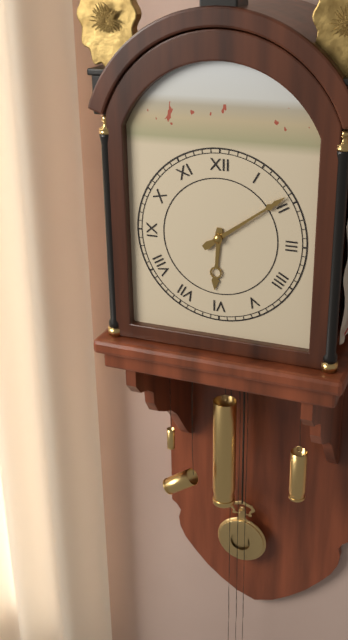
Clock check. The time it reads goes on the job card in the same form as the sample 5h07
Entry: 6h09
